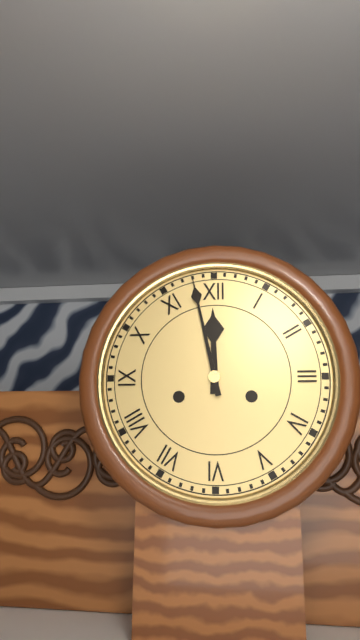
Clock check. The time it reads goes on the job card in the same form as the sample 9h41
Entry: 11h58
